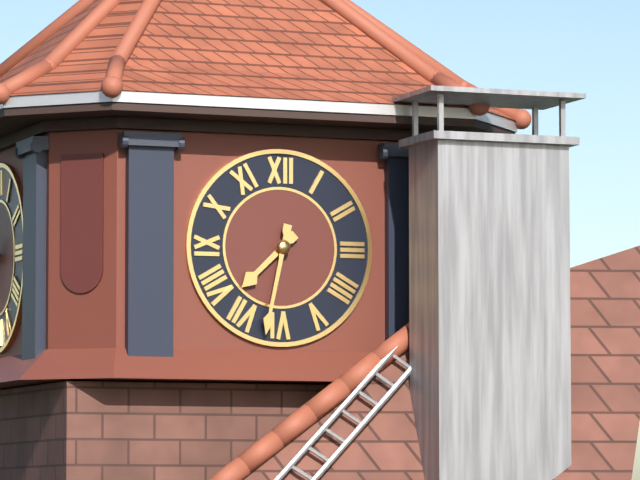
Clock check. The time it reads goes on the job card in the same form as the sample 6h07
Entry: 7h32
